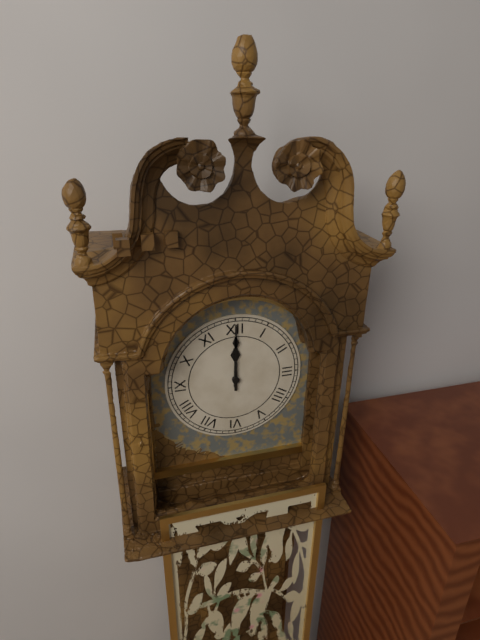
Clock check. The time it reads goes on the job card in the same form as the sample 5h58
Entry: 12h00
